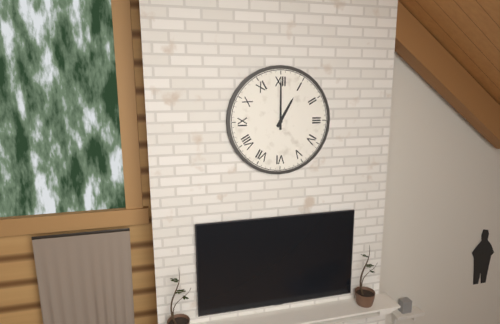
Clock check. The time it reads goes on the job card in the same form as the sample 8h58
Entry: 1h00
